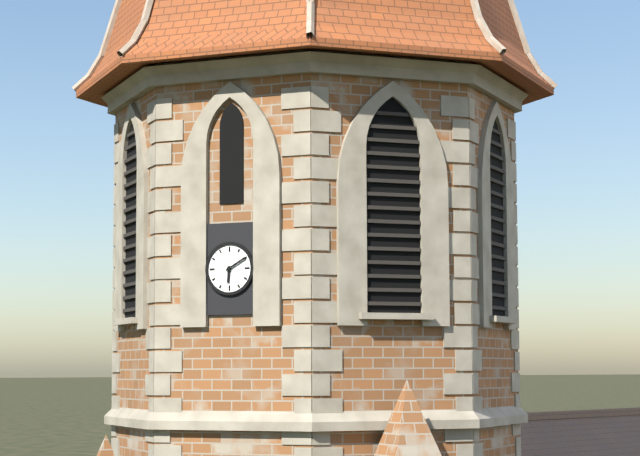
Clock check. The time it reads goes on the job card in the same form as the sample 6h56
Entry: 6h10
